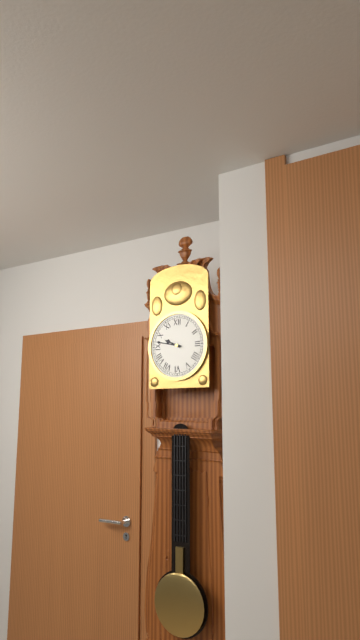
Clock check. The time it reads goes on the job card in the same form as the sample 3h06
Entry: 9h47
